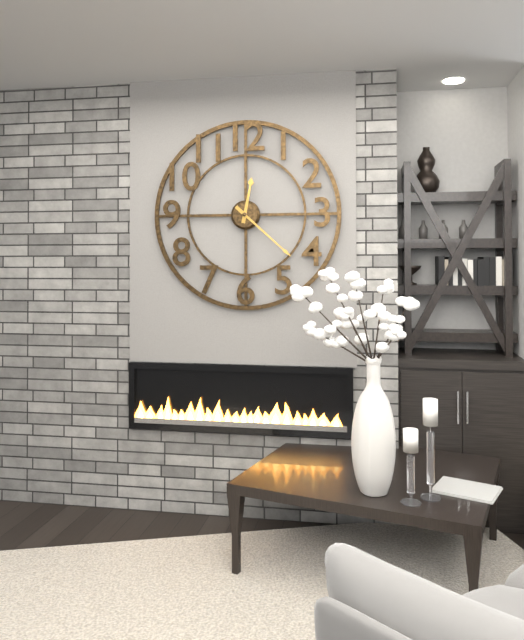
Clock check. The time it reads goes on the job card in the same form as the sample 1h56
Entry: 12h22
